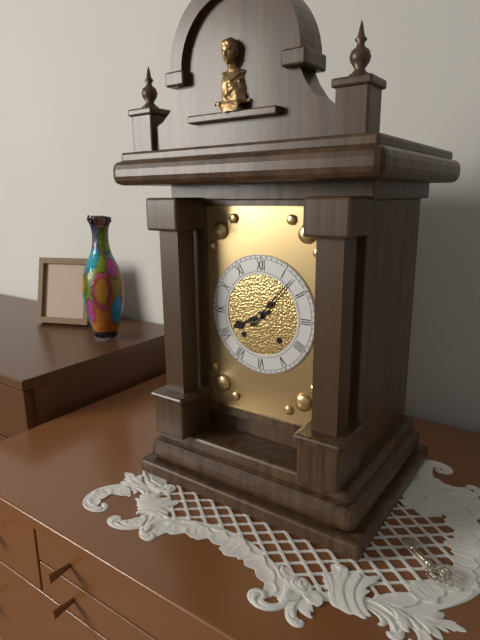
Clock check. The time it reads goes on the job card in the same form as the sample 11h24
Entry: 8h07
